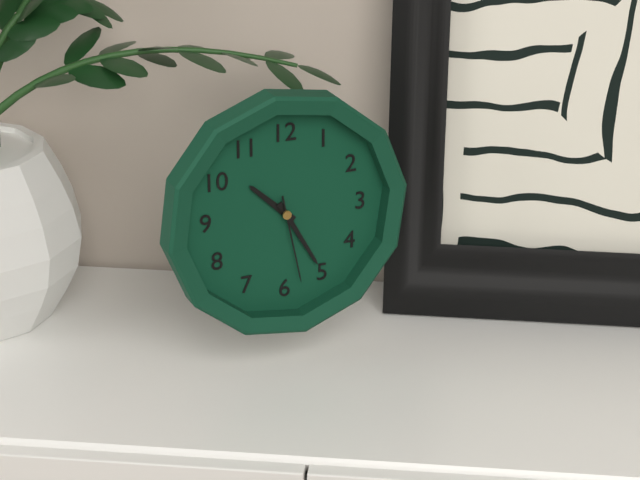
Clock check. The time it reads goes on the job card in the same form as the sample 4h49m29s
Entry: 10h25m28s
